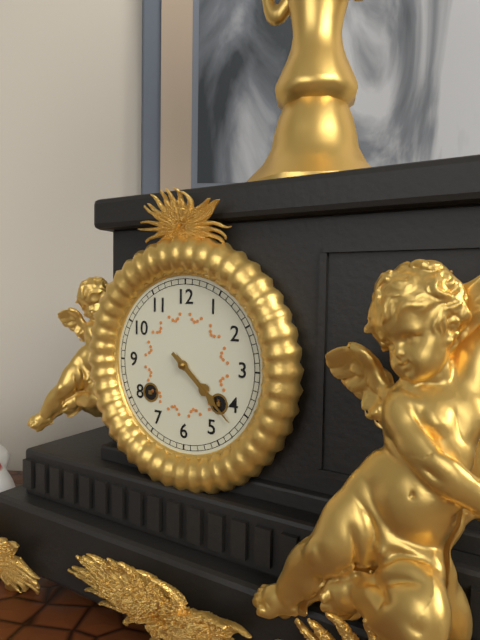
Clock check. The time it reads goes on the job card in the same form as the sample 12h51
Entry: 4h22
